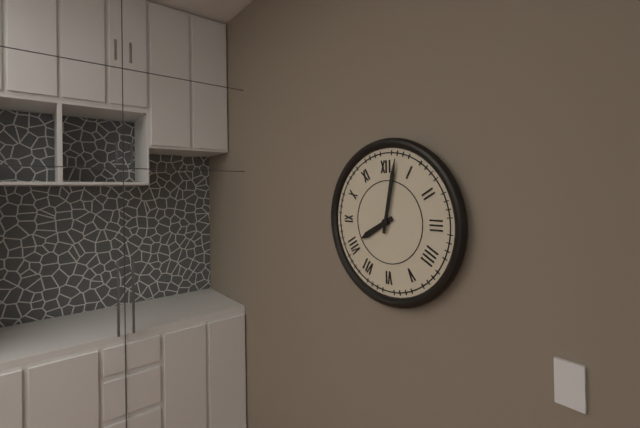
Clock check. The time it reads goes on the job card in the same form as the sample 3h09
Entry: 8h02
